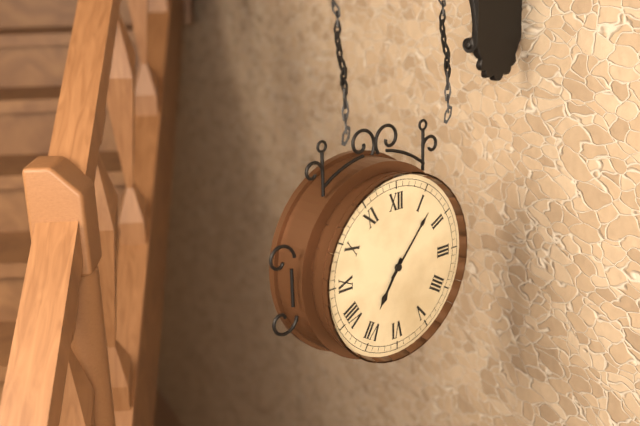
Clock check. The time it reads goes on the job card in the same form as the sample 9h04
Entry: 7h07
